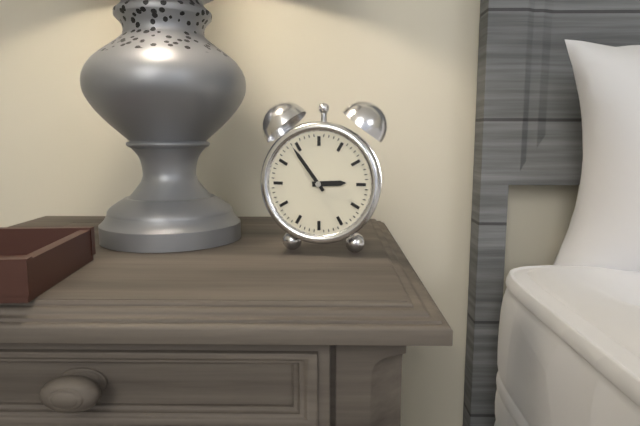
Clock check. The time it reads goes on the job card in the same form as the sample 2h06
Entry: 2h54
